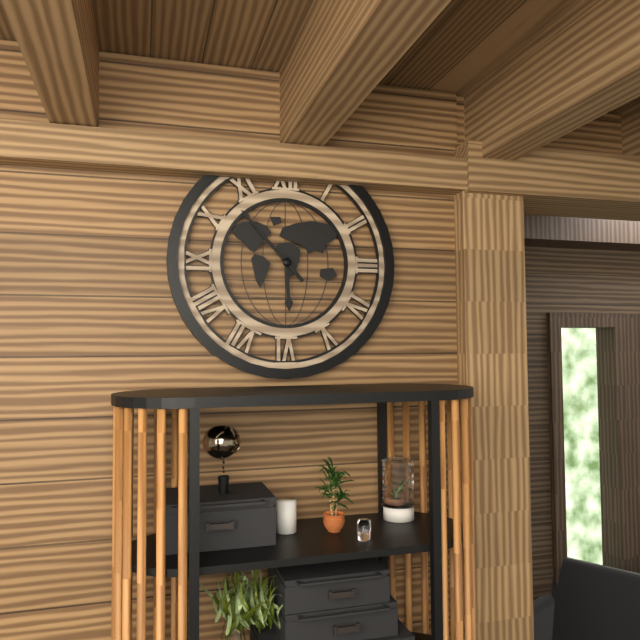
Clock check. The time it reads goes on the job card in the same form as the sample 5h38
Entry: 5h53
